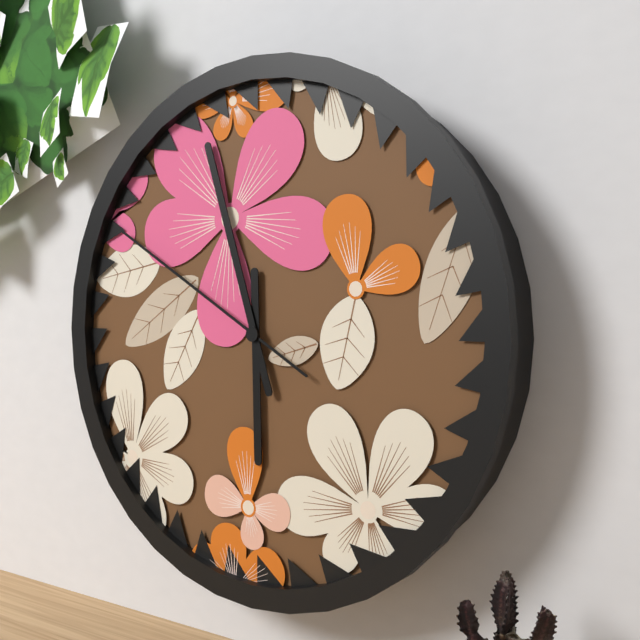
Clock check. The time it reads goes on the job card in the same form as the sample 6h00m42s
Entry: 5h57m50s
